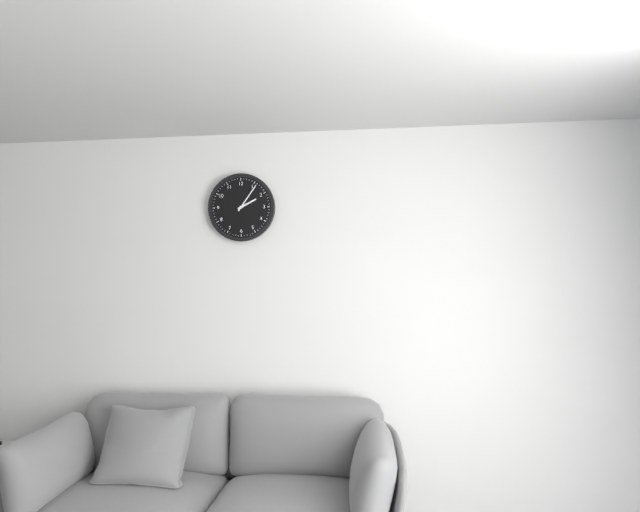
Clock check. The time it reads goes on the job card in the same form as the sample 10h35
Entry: 2h06
